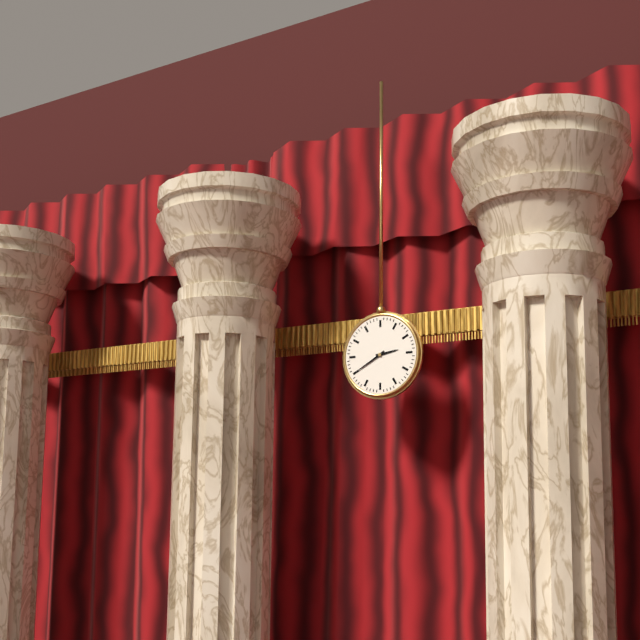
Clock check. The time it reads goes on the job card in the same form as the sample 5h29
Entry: 2h40
